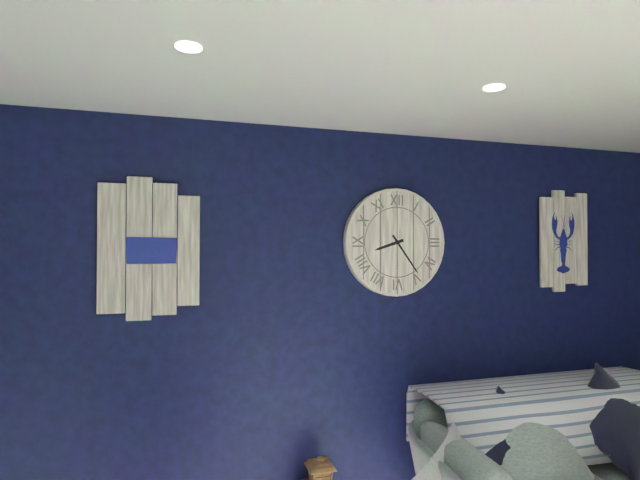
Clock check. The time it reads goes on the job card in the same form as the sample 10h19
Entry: 8h24
